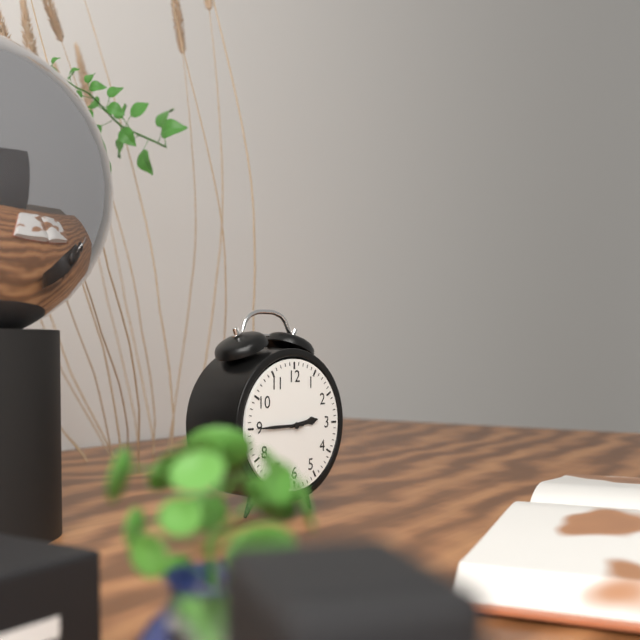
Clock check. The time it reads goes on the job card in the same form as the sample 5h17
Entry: 2h45
